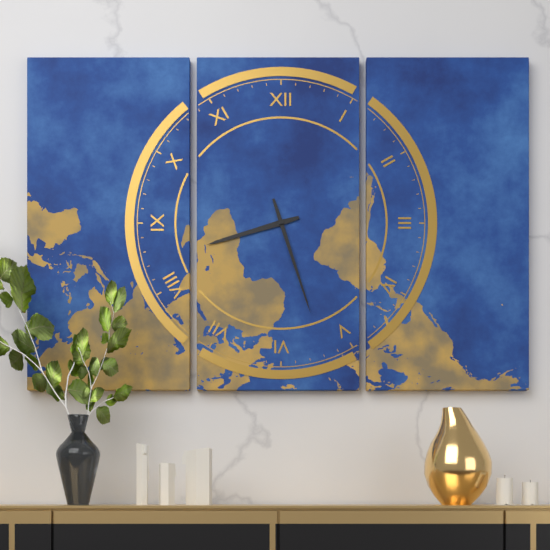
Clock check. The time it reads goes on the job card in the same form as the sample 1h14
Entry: 8h27
